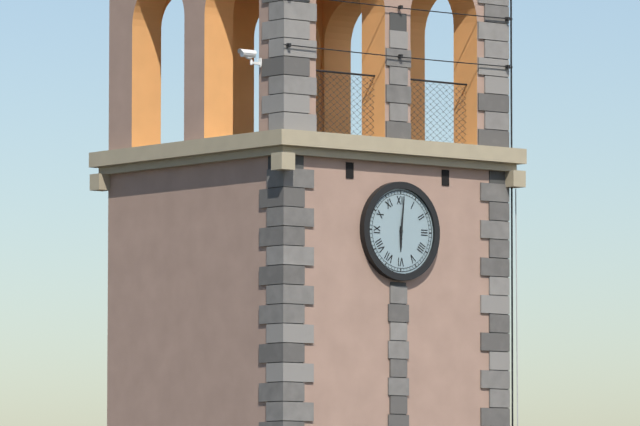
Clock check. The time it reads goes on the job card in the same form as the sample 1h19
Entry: 6h01
